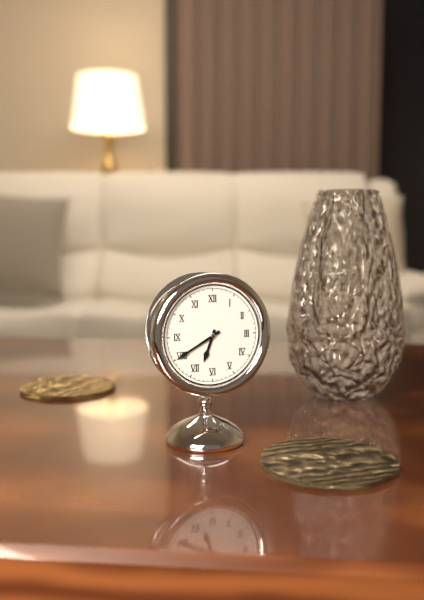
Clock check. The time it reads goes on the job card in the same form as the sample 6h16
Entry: 6h40
